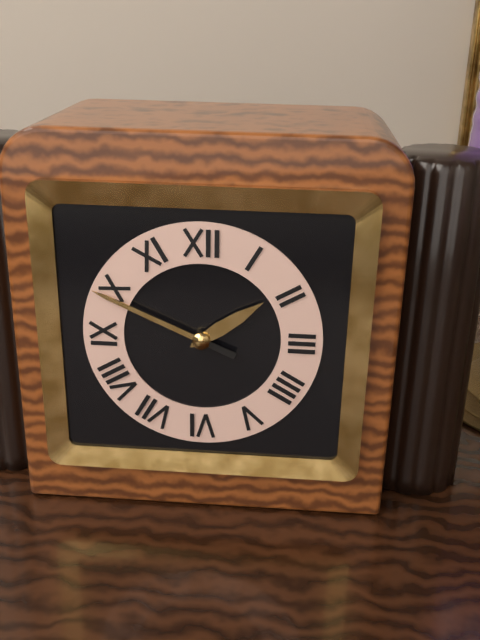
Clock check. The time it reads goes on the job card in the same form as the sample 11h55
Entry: 1h49
